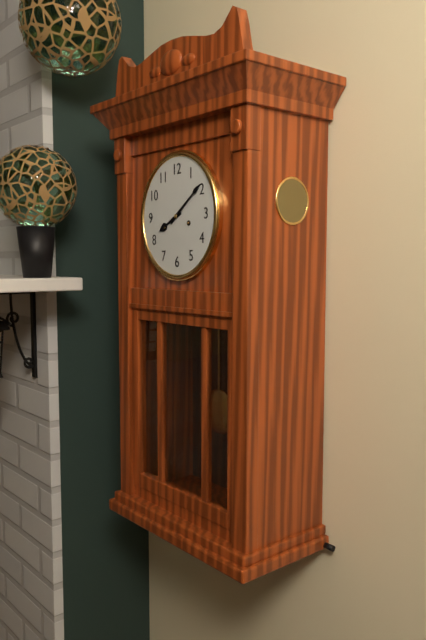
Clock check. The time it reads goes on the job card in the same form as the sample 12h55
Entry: 8h09
